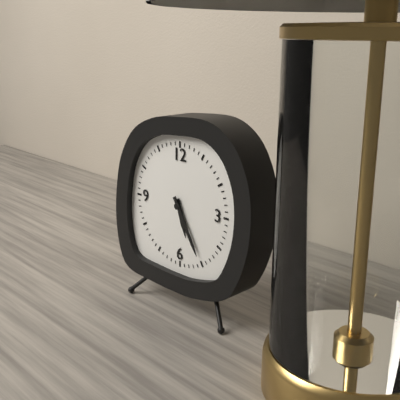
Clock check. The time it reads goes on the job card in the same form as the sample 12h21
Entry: 5h25
